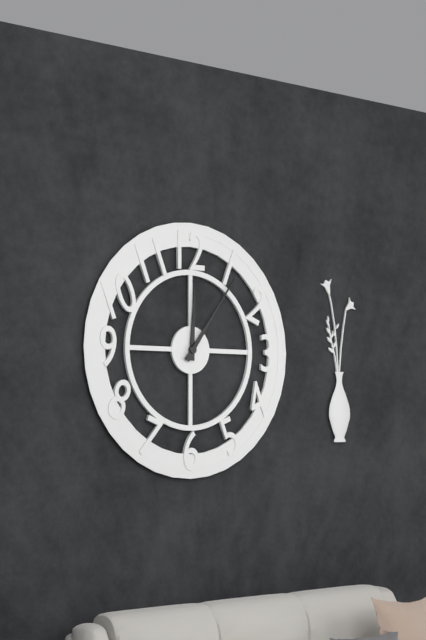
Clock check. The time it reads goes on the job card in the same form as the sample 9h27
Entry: 12h06
